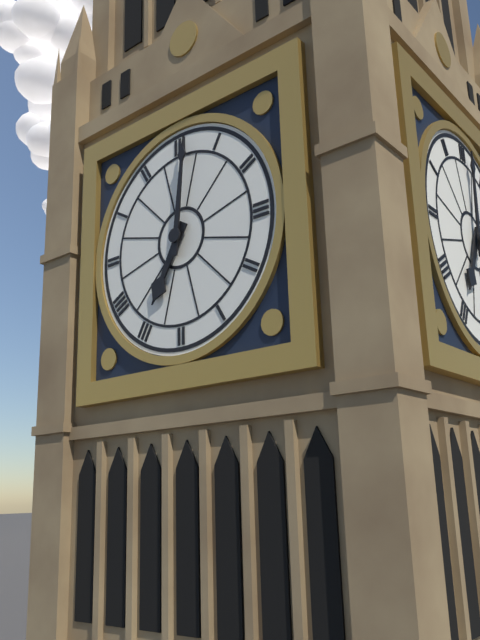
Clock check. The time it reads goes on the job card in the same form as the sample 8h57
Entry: 7h01
